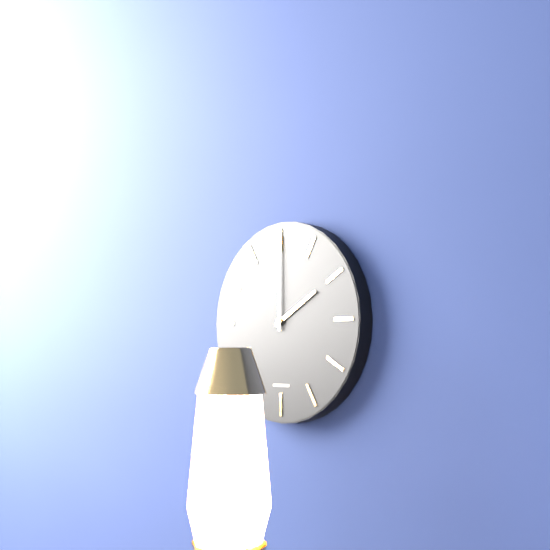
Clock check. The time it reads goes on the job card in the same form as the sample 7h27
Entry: 2h00
